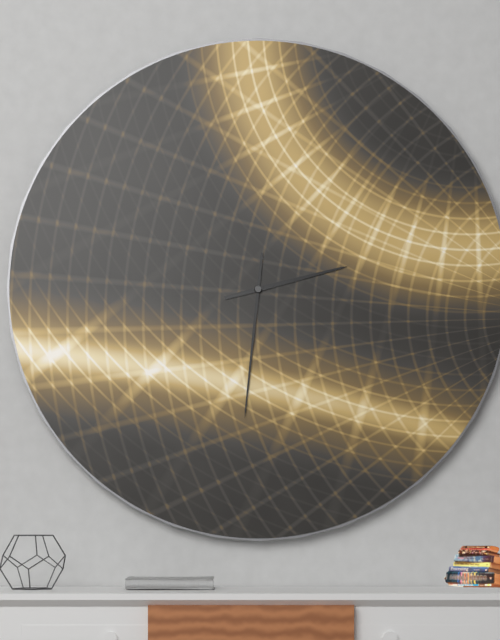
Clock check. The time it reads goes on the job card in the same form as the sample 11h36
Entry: 2h31
